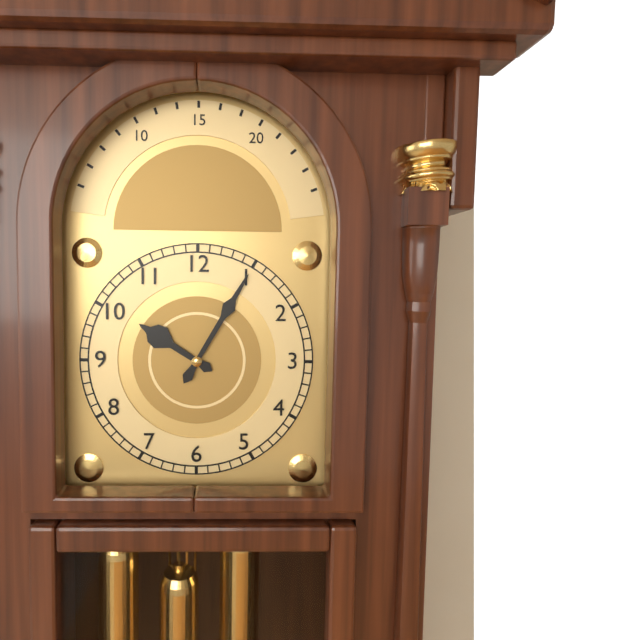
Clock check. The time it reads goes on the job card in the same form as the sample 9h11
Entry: 10h05
